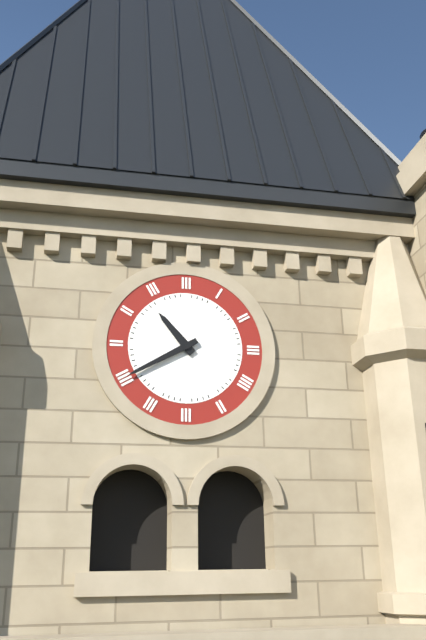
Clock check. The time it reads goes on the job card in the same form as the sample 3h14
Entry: 10h40
